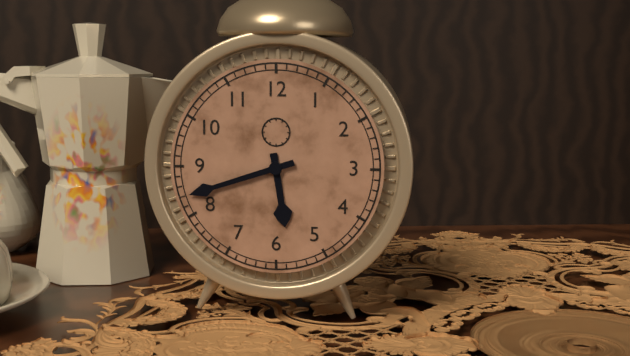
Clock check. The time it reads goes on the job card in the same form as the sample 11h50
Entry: 5h42
